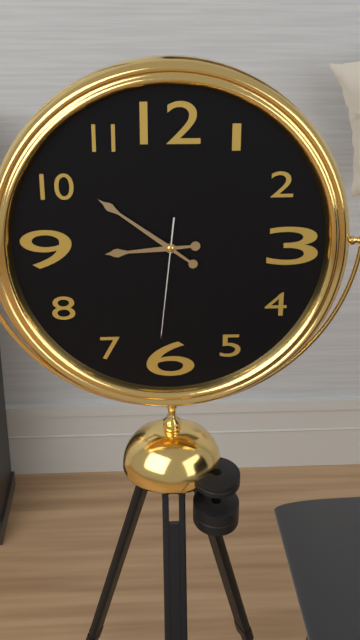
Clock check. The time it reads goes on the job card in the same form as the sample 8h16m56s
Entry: 8h51m31s
